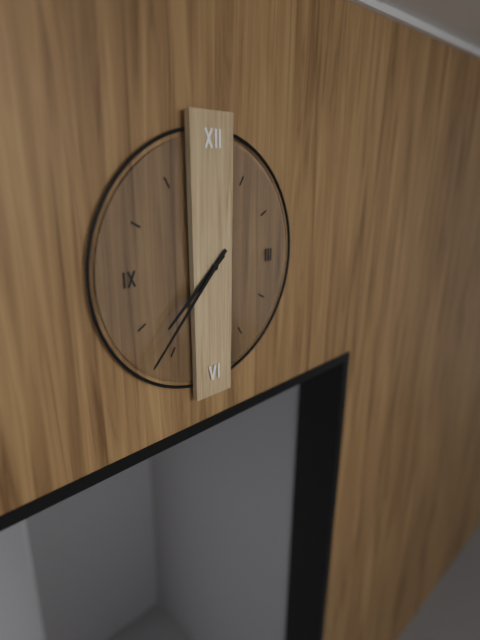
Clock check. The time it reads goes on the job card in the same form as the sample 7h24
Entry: 7h37
